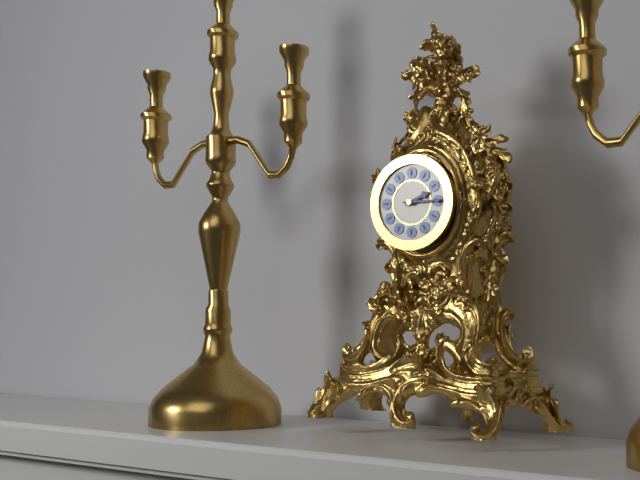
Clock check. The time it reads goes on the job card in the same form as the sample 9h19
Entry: 2h15
